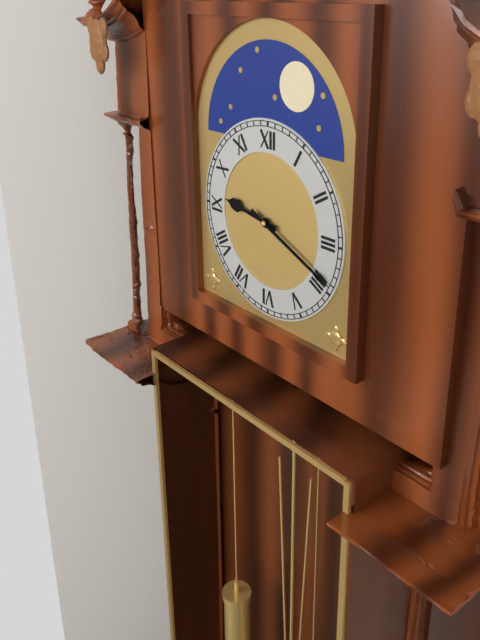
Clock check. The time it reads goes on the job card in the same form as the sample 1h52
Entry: 9h19
